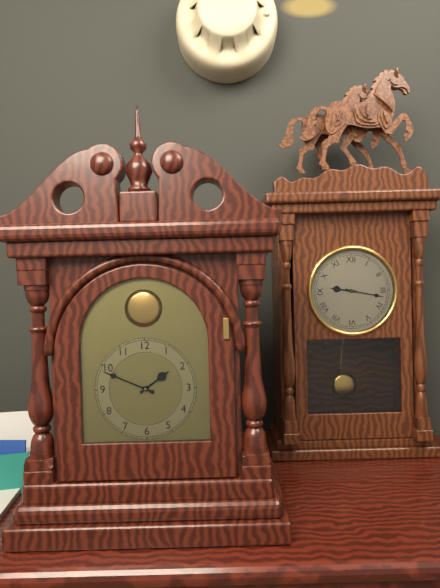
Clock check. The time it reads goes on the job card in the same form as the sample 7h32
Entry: 1h49
